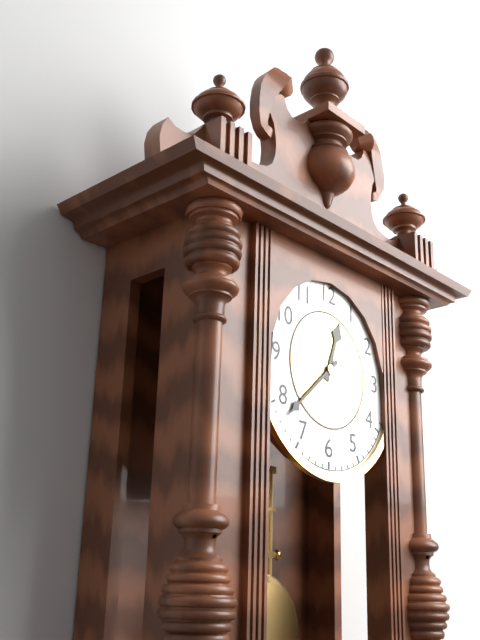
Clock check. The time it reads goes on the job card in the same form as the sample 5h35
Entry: 12h38
